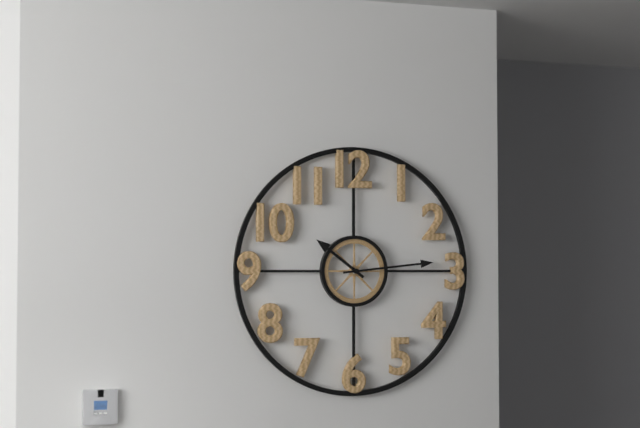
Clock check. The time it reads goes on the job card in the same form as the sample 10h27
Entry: 10h14
